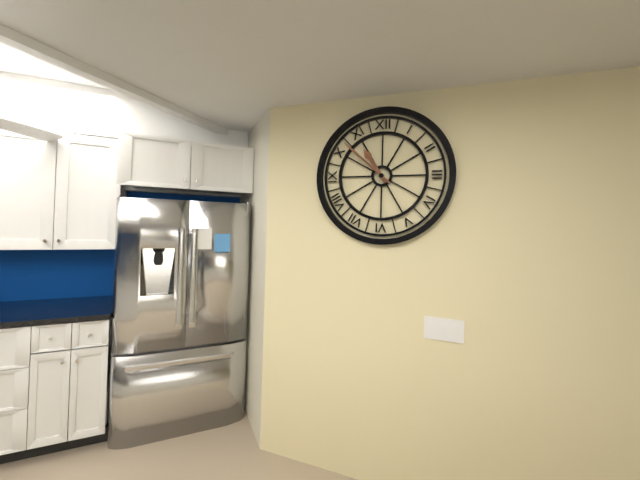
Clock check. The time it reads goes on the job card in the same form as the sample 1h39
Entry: 10h52
